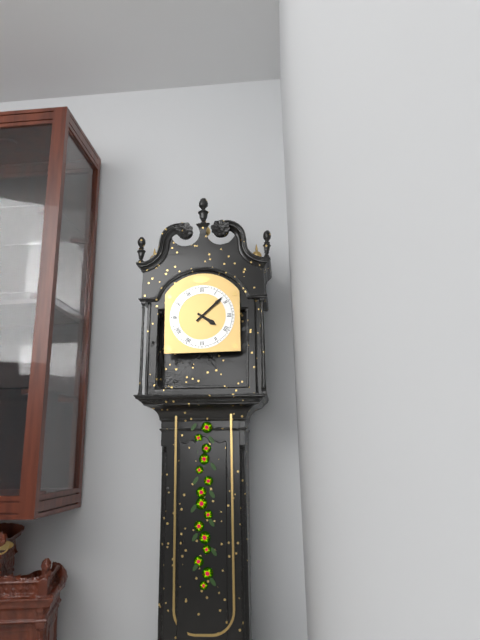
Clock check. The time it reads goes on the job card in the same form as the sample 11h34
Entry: 4h08
